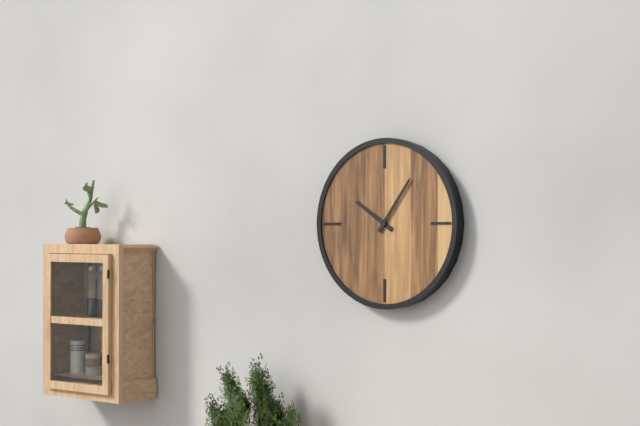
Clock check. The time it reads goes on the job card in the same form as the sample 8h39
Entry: 10h06
